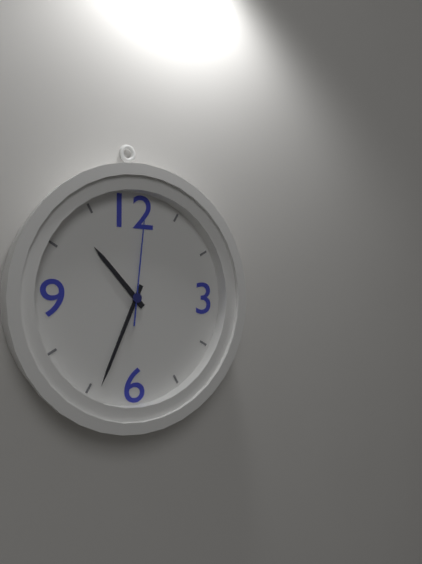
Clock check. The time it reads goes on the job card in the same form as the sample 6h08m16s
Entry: 10h34m01s
